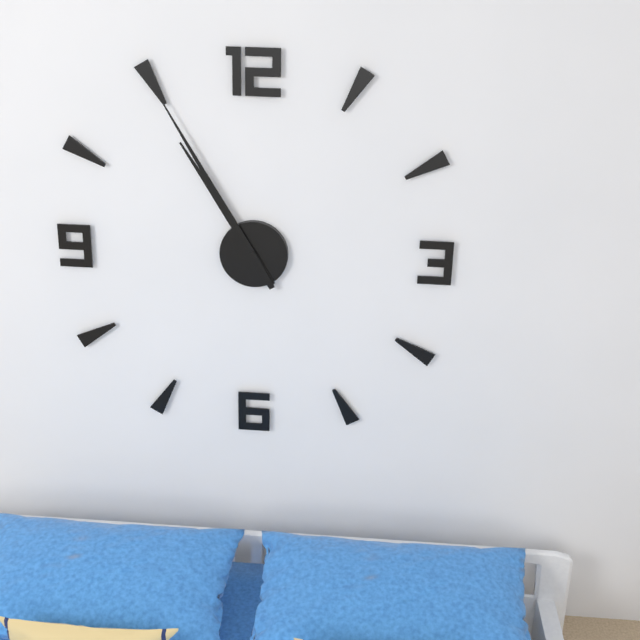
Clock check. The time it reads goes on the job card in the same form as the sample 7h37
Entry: 10h55
